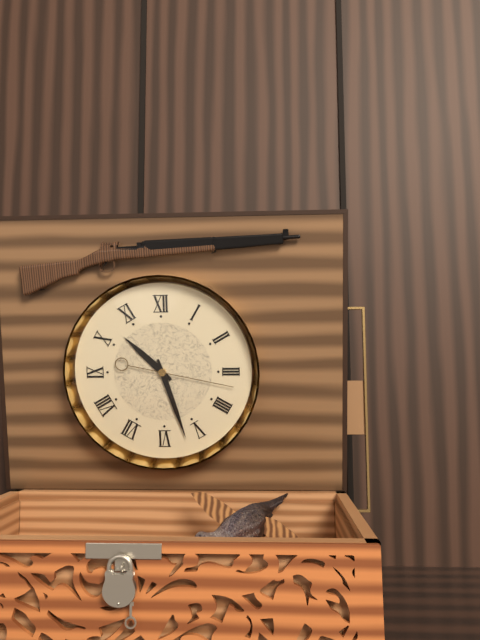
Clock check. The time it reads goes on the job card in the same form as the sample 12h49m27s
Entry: 10h27m17s
